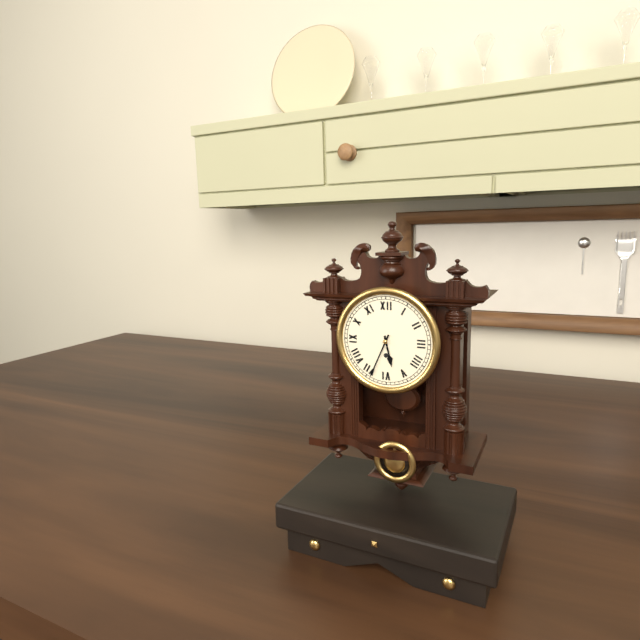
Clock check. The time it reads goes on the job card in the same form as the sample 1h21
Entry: 5h34
